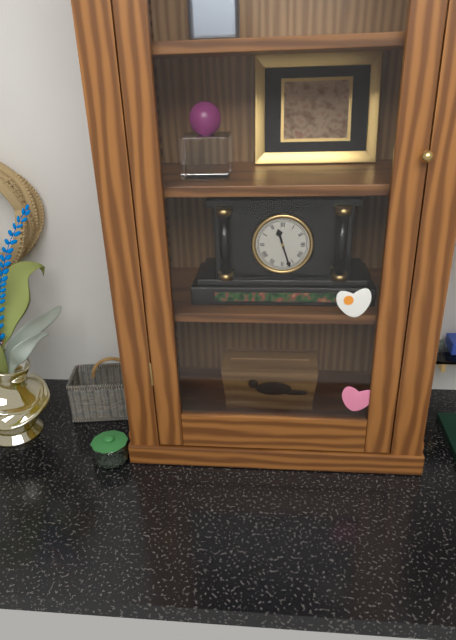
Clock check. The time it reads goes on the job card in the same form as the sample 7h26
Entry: 11h27
